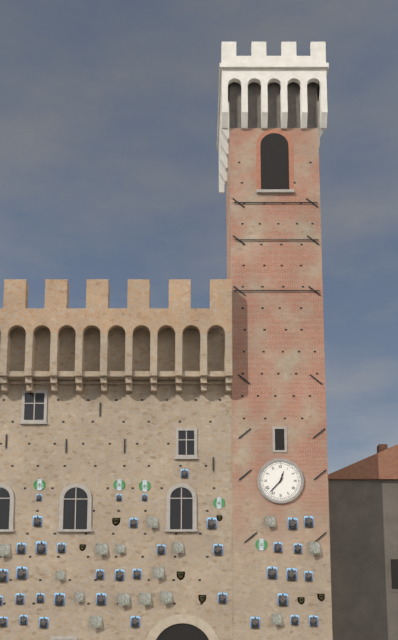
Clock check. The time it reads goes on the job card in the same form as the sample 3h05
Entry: 12h37
